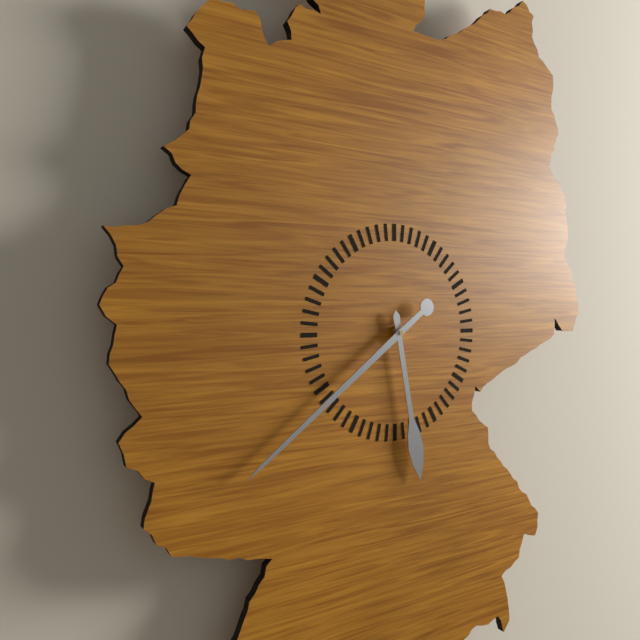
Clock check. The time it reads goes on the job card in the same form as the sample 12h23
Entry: 5h39
